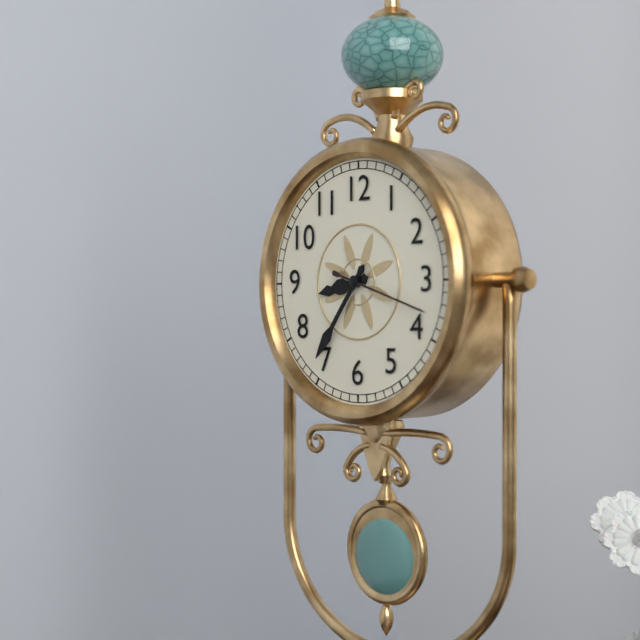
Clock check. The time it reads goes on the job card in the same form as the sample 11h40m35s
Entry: 8h36m18s
